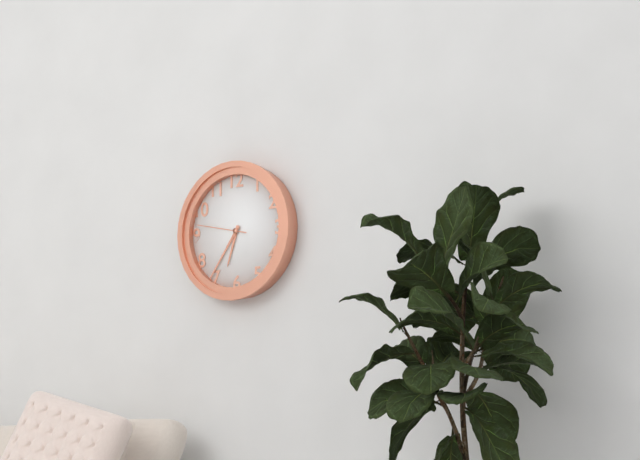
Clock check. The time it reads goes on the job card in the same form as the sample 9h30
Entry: 6h36
